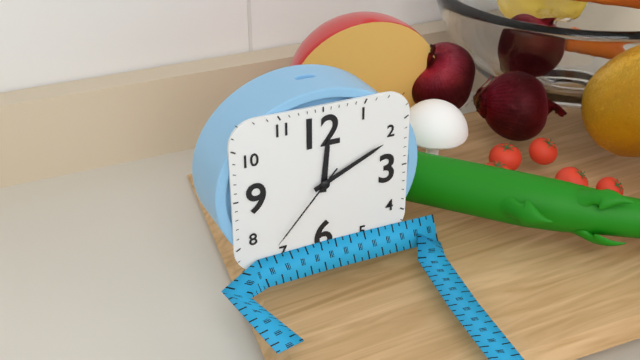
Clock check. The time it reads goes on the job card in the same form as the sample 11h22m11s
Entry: 12h11m37s
